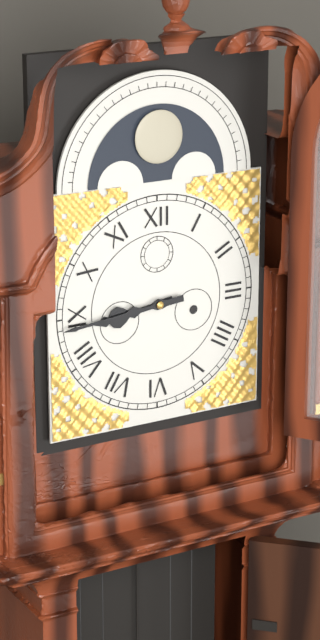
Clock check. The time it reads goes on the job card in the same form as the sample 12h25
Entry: 8h44
